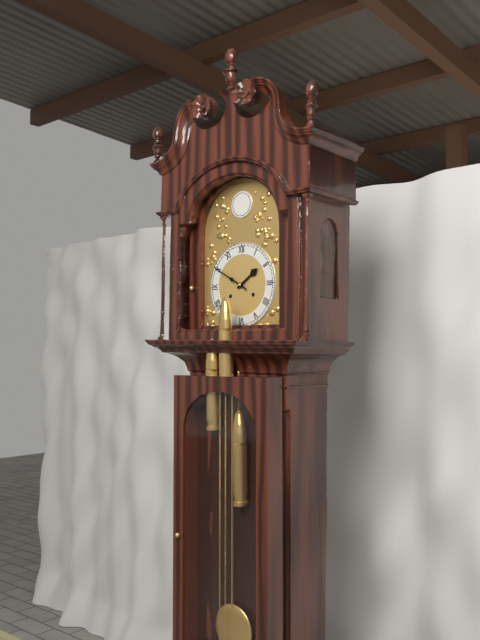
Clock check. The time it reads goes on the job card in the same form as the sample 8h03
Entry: 1h50
